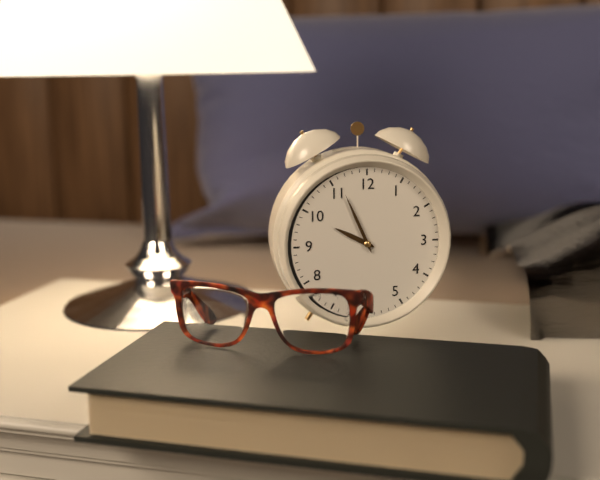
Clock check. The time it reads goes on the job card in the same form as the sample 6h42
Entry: 9h56
